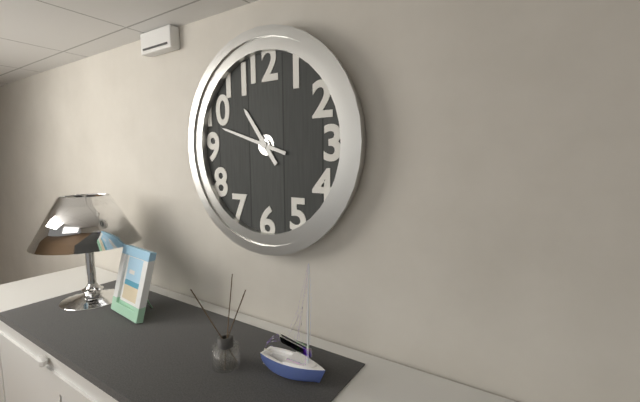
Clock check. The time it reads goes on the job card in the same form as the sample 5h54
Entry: 10h48
